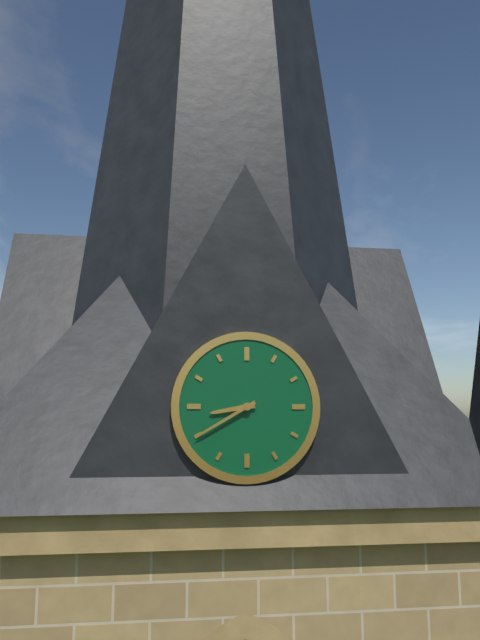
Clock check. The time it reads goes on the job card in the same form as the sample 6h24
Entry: 8h40
